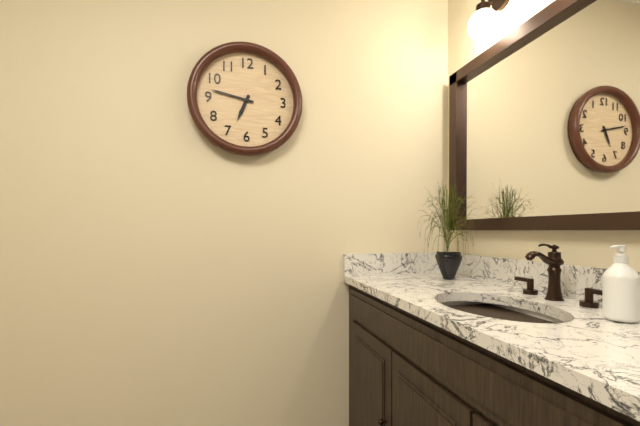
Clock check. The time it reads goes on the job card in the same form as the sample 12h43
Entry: 6h47
